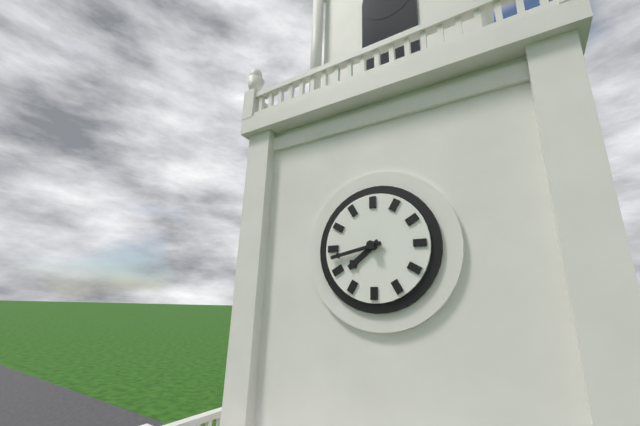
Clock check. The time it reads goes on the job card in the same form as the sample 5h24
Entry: 7h43
